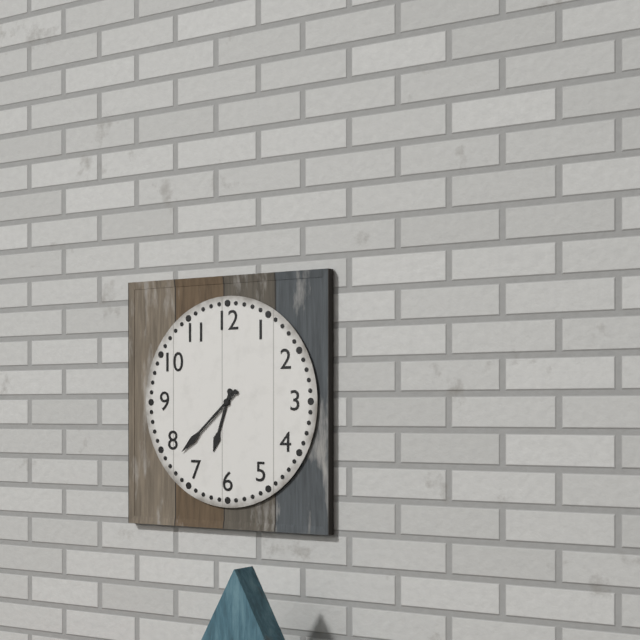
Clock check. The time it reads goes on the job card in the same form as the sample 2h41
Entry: 6h38
